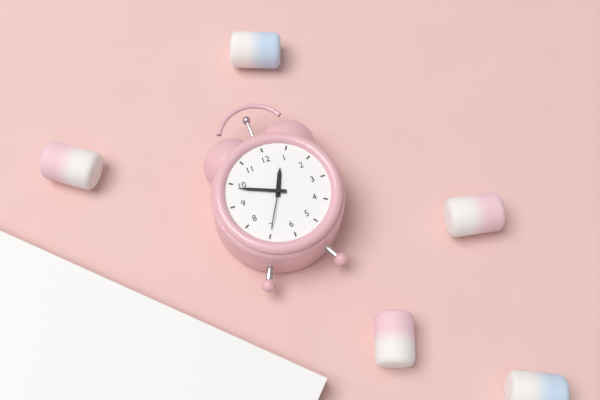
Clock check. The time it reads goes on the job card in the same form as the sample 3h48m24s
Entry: 12h49m35s
